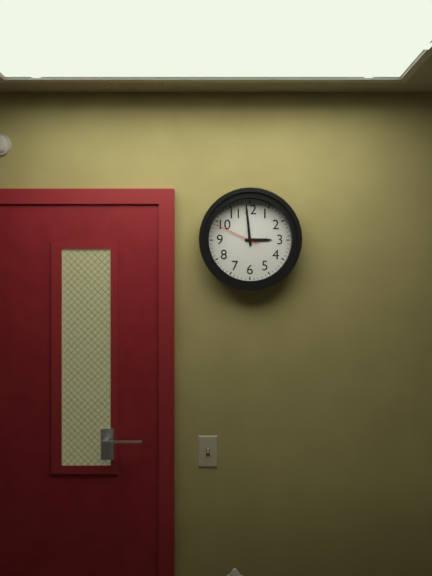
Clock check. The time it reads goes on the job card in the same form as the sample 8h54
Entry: 2h59
